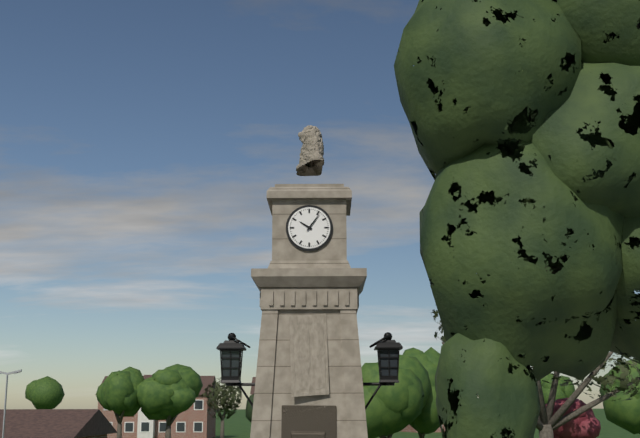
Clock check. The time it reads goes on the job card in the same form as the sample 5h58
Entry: 10h06
